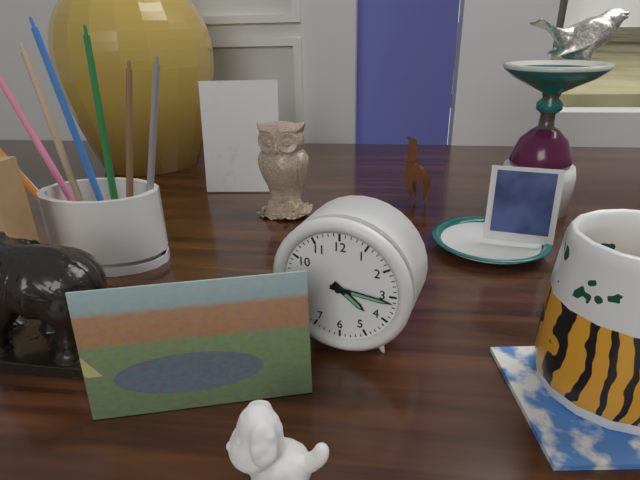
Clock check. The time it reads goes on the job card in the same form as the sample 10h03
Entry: 4h16
